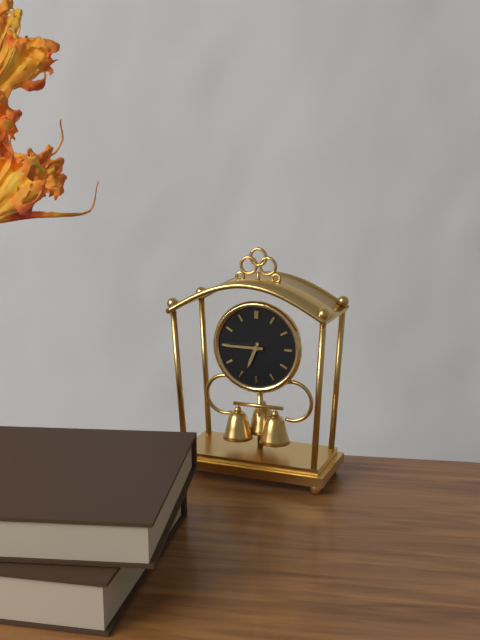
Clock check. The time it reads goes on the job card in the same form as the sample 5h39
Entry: 6h45
